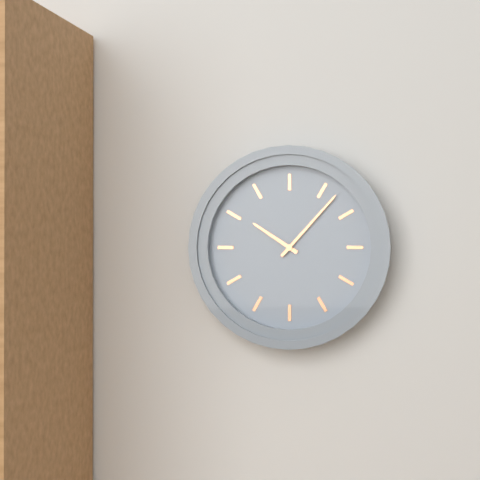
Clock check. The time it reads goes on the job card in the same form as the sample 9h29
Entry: 10h07
